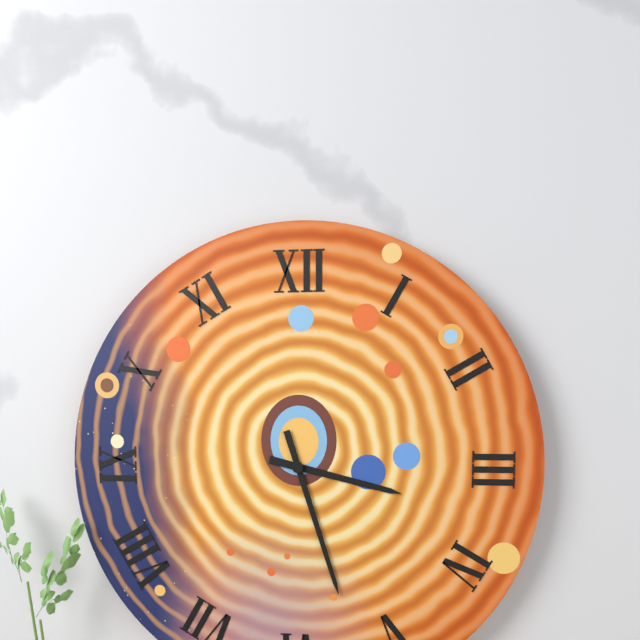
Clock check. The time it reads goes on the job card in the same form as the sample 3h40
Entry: 3h27
